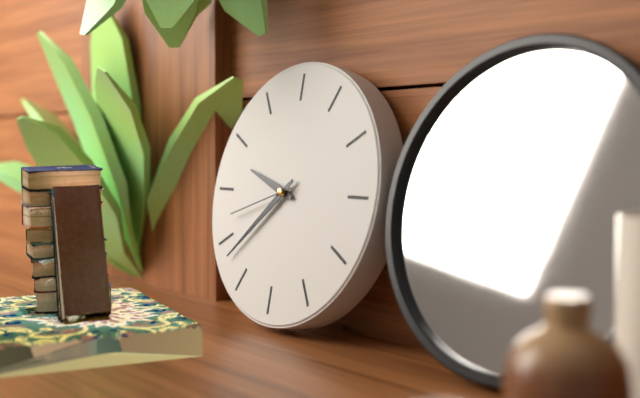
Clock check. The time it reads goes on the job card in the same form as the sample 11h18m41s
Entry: 9h38m42s
